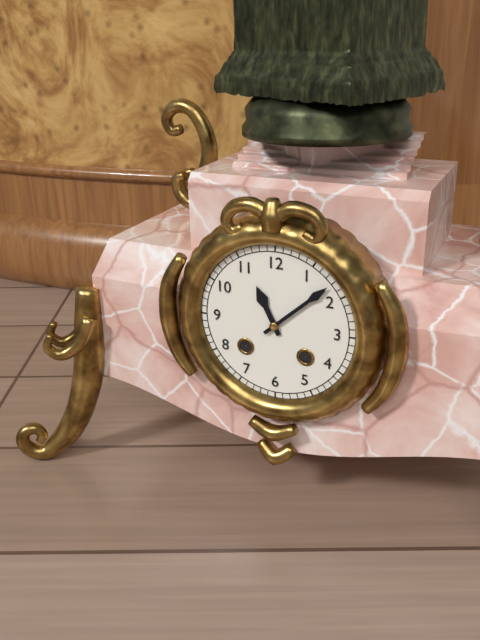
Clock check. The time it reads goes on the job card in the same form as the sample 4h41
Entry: 11h08
